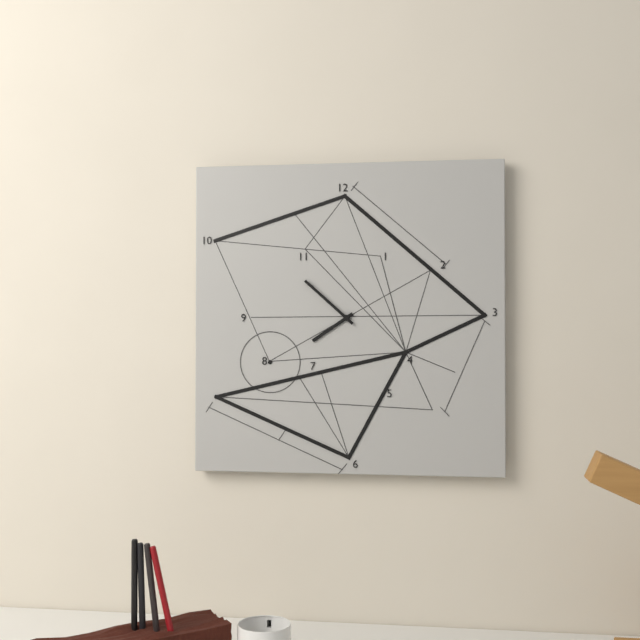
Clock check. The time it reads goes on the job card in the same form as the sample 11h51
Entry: 7h52
